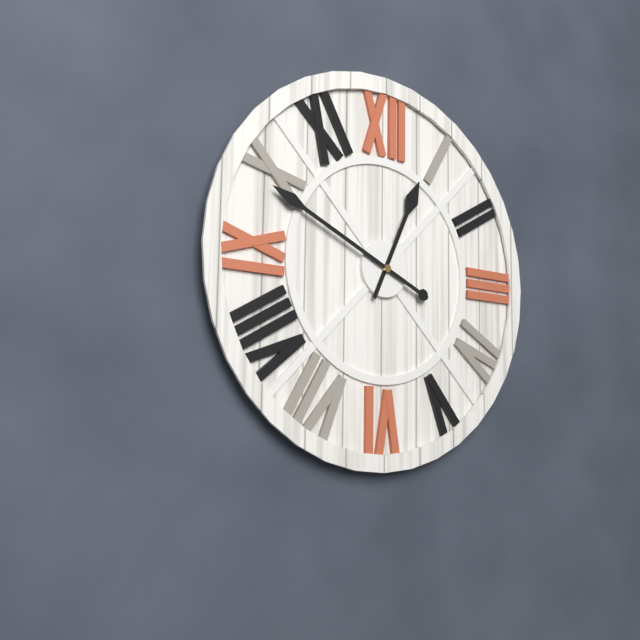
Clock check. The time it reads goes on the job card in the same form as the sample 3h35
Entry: 12h49
